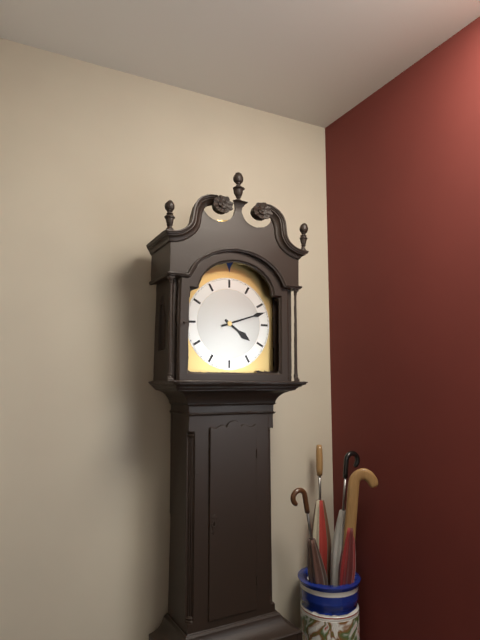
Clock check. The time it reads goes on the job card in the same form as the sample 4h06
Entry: 4h12
